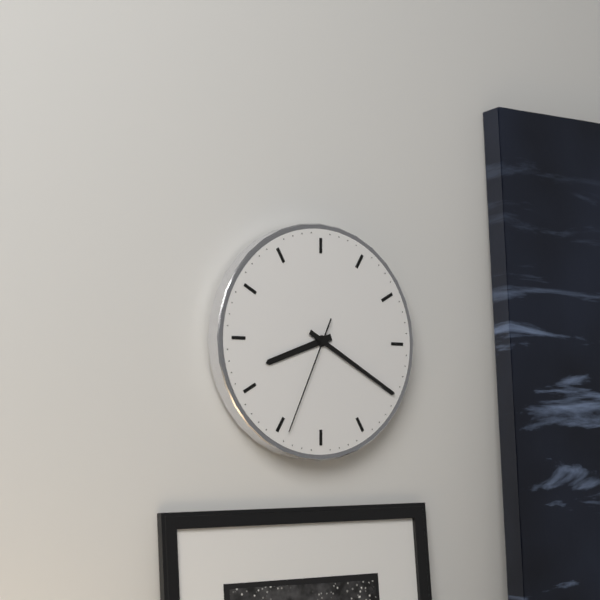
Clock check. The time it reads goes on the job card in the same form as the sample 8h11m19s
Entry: 8h20m34s
